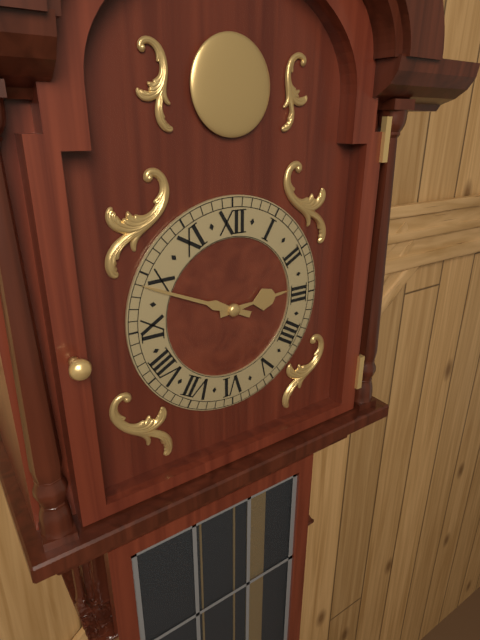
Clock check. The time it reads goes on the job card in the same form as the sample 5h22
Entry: 2h49
